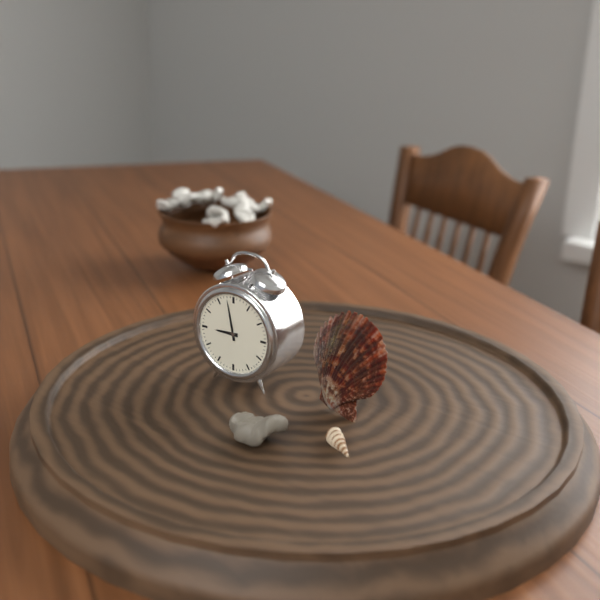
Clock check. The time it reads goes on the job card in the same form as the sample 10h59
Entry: 8h58
